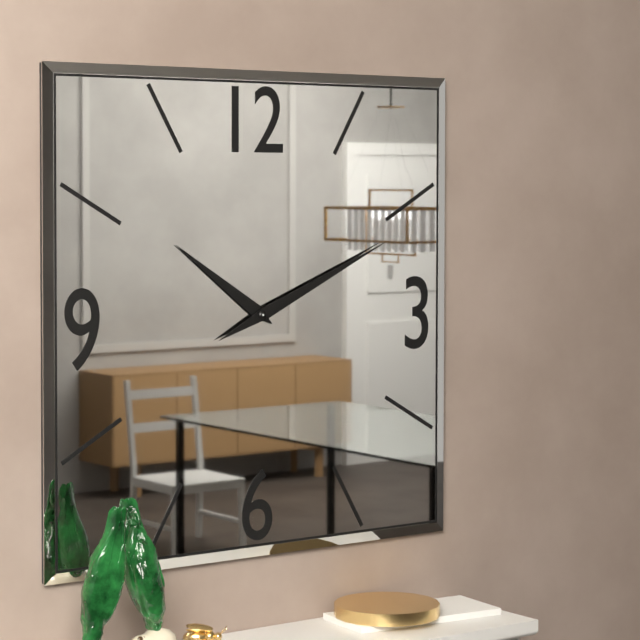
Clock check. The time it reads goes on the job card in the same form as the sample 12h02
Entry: 10h11
